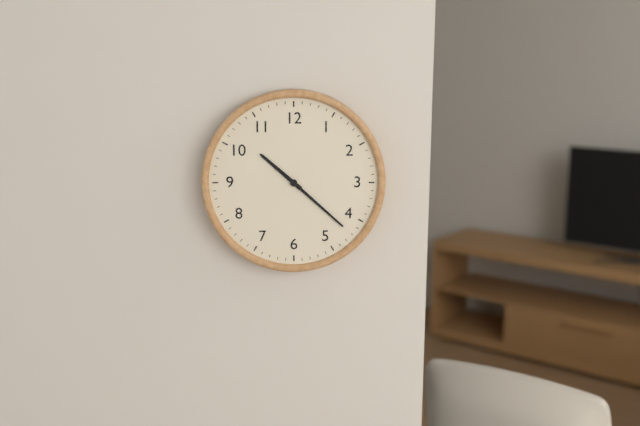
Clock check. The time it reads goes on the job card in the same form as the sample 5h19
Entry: 10h22
